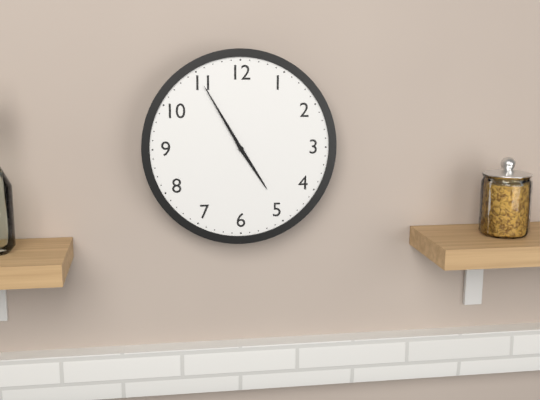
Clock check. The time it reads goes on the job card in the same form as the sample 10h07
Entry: 4h55
